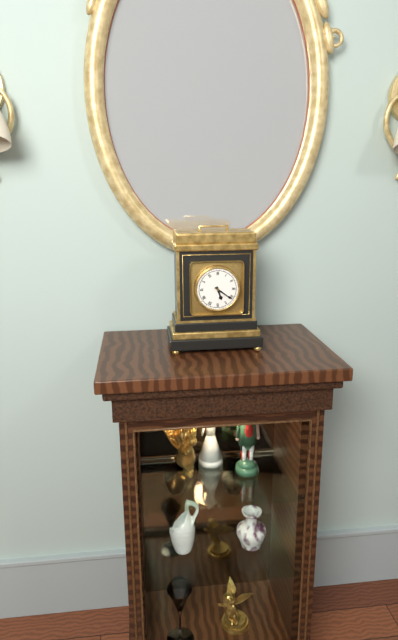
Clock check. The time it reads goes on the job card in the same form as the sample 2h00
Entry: 5h21
